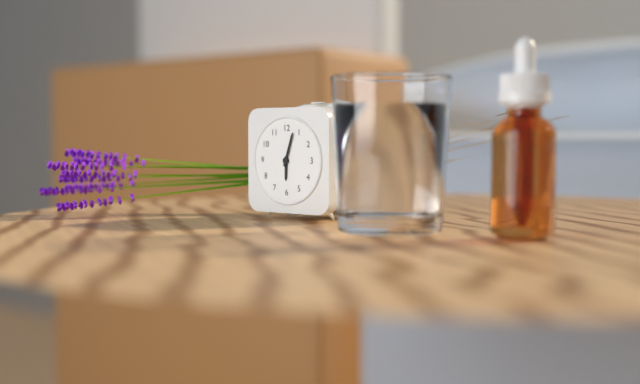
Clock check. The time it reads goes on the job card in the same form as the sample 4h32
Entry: 6h03
